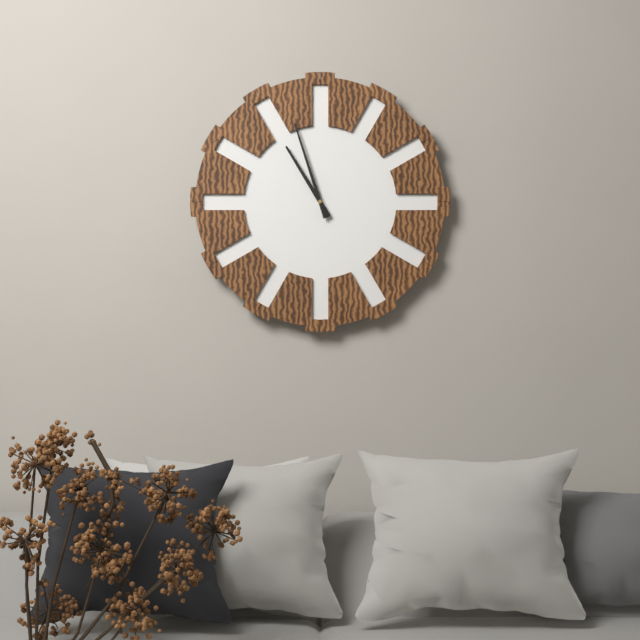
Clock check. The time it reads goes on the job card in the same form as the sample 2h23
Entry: 10h57
